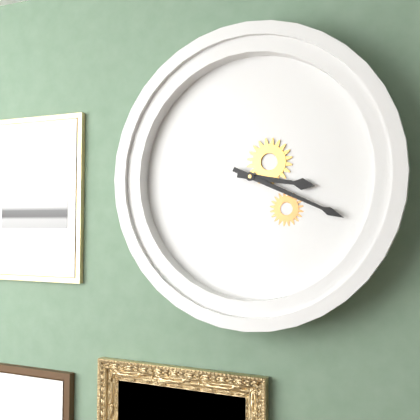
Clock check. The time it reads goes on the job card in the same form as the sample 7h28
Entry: 3h19
